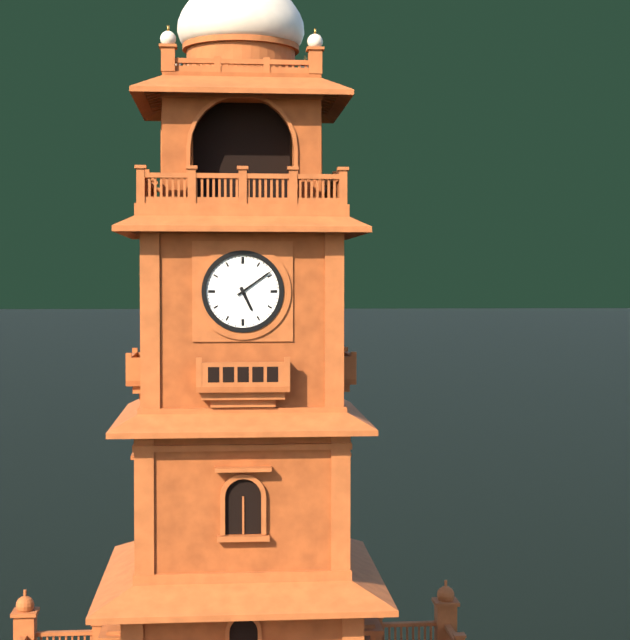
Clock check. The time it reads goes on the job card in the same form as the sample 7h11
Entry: 5h09
